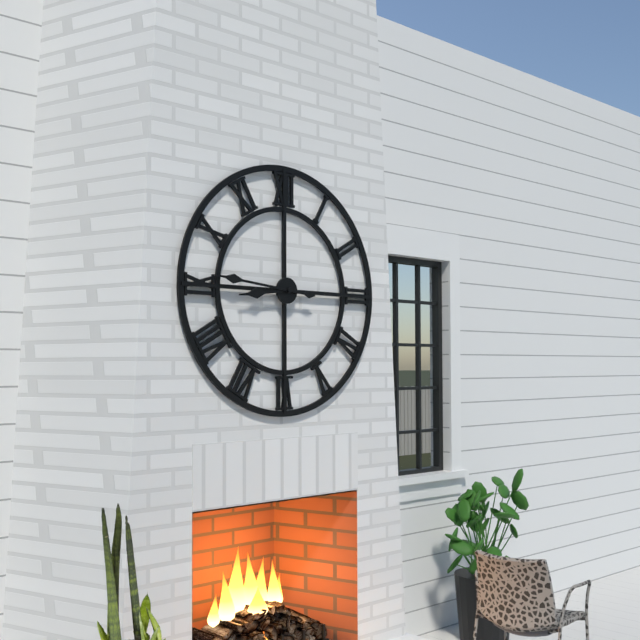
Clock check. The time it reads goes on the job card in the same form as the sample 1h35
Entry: 8h46
